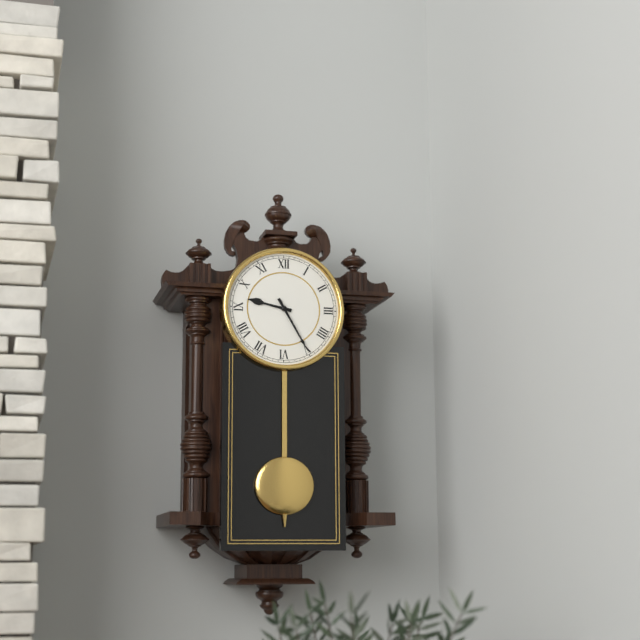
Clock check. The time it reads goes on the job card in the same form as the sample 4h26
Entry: 9h25
